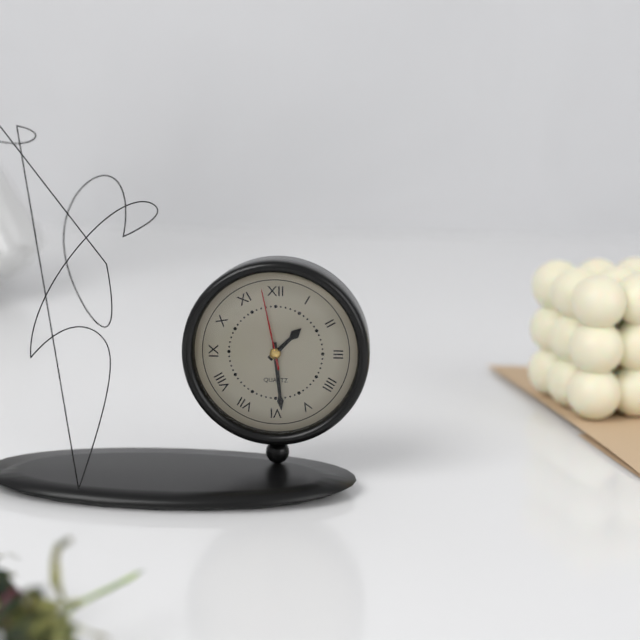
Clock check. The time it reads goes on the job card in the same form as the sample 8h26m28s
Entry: 1h29m58s
